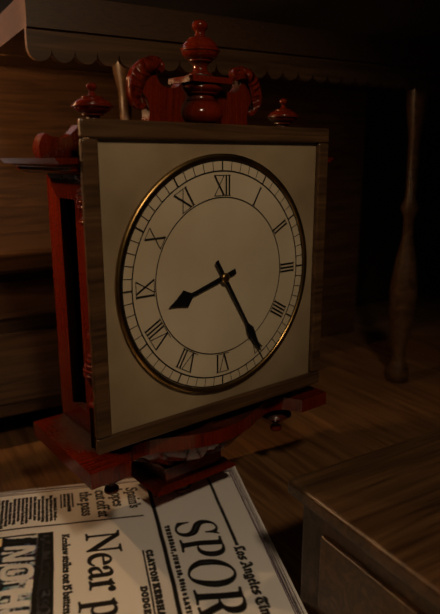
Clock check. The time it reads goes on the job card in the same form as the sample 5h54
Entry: 8h25
